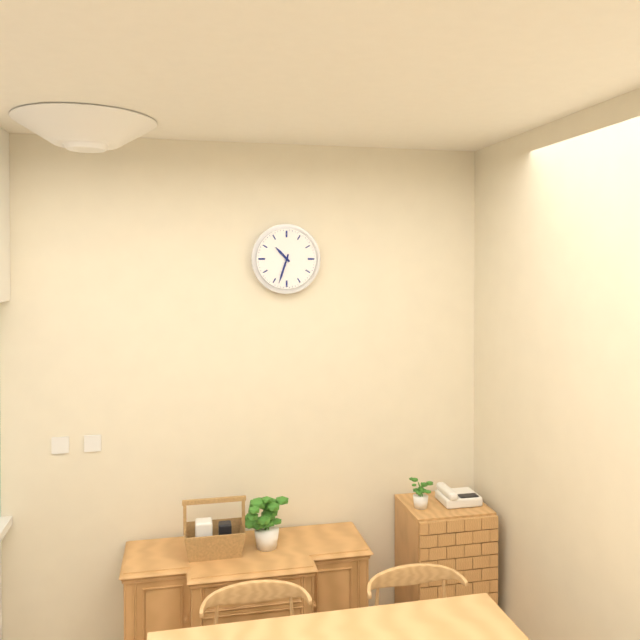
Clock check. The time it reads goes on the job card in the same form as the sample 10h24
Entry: 10h33
